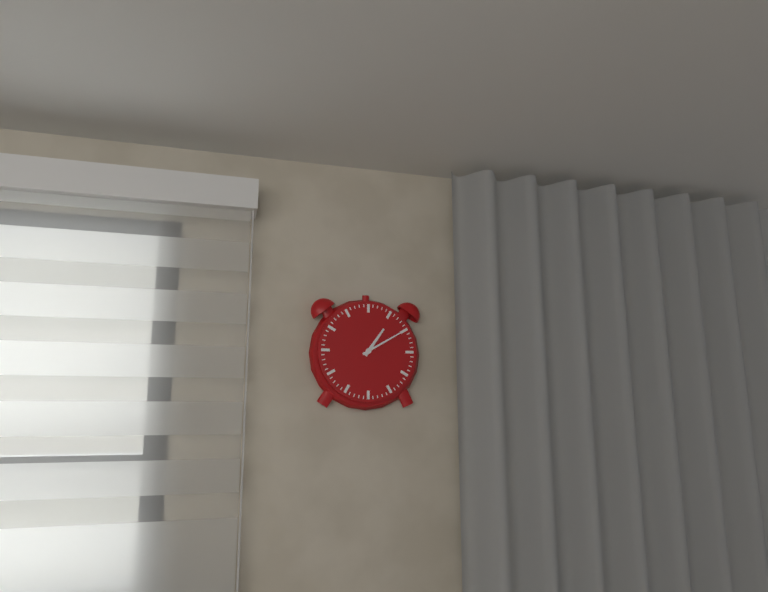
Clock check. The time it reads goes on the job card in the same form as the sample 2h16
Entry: 1h10
